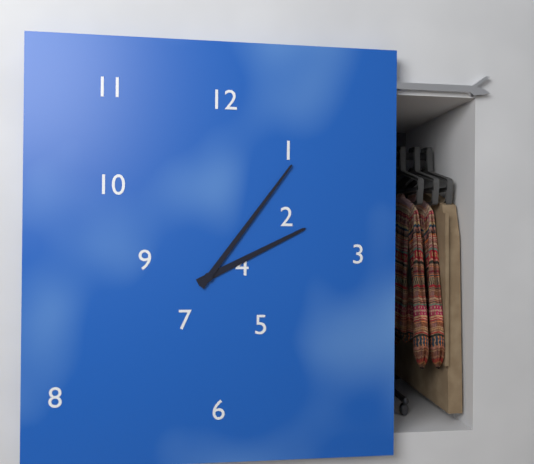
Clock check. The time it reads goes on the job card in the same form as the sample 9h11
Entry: 2h06
